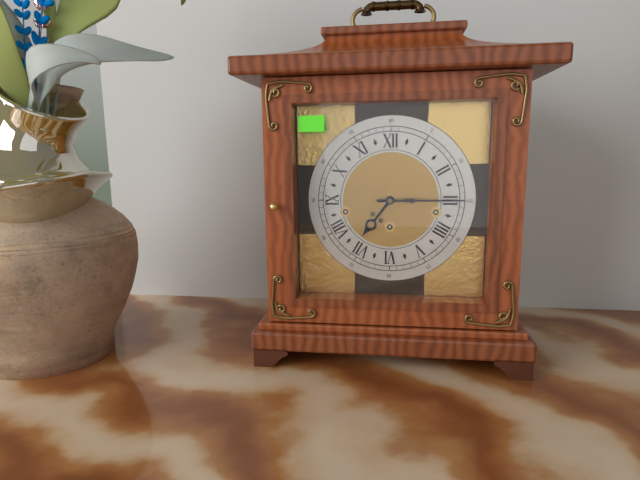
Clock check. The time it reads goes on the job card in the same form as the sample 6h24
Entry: 7h15
